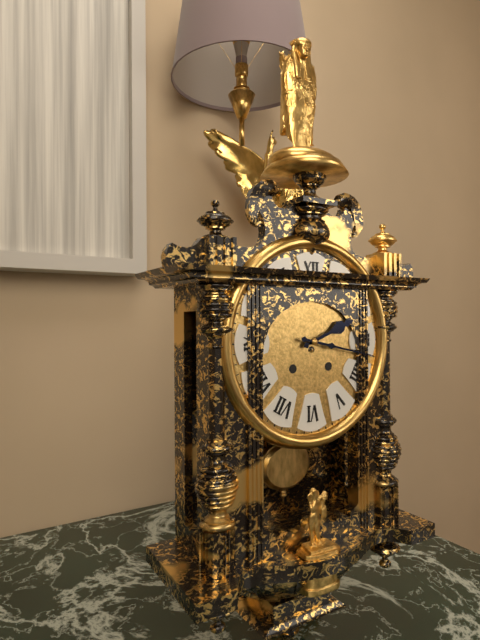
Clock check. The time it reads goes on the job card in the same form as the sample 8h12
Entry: 2h17
